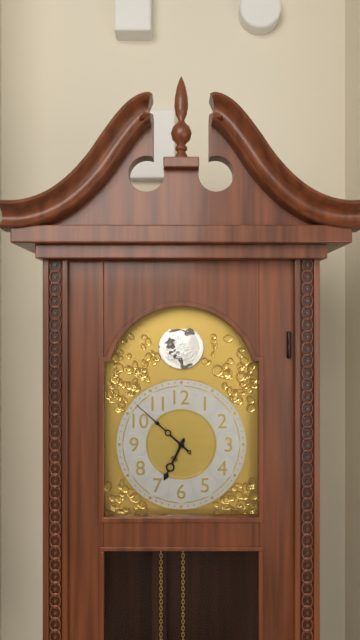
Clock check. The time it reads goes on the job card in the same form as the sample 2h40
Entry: 6h52
